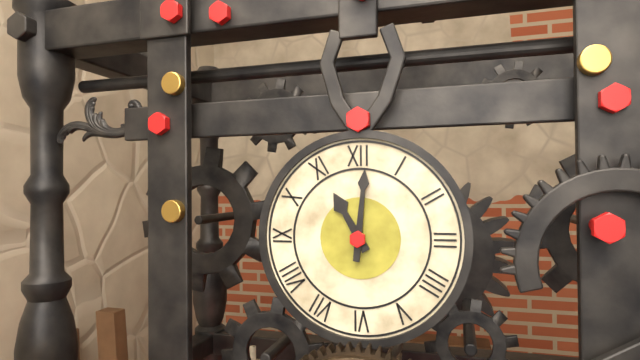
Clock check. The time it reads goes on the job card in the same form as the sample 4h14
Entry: 11h01
